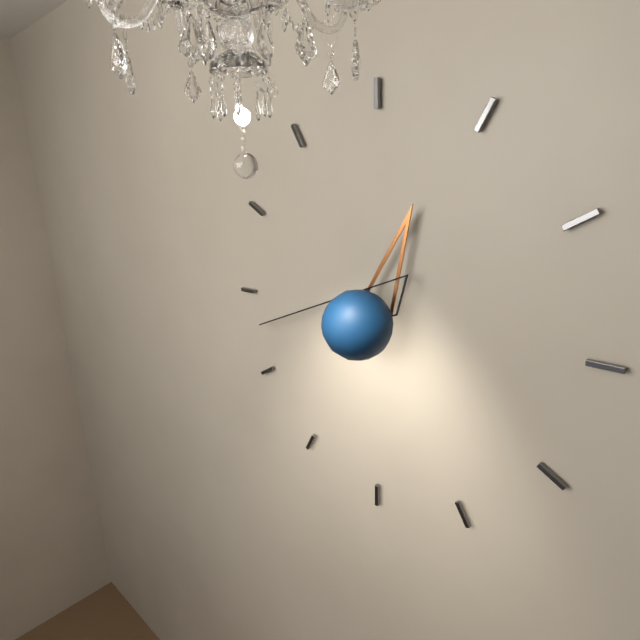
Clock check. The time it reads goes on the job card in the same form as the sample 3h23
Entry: 12h43
